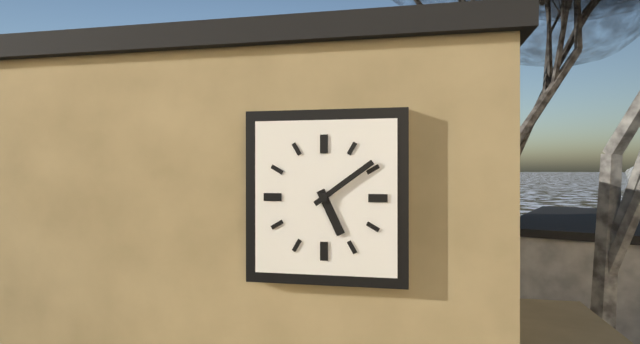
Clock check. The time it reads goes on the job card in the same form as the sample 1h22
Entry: 5h09
